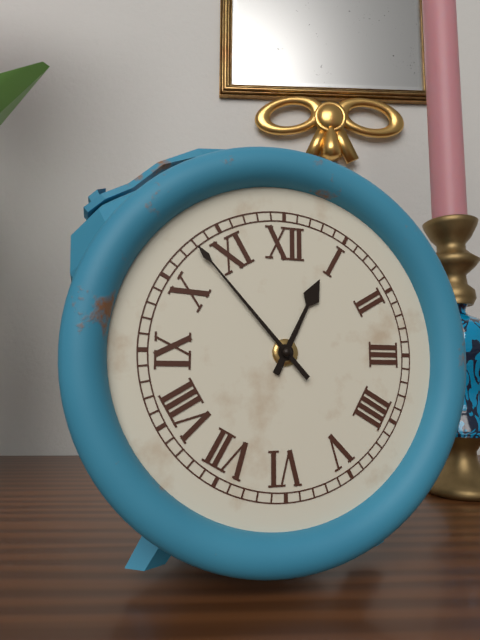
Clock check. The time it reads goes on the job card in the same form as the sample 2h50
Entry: 12h53
